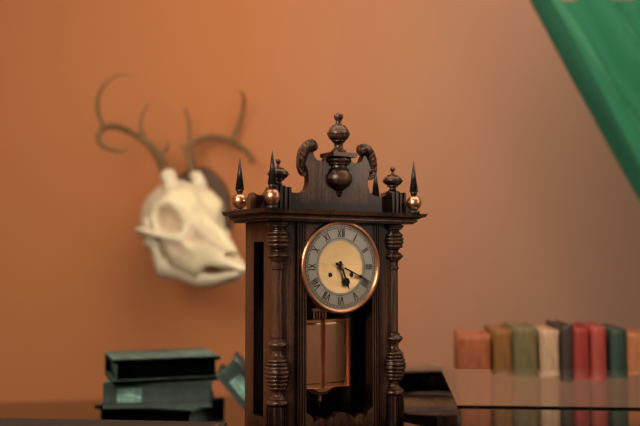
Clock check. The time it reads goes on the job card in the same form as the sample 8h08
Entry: 5h19
